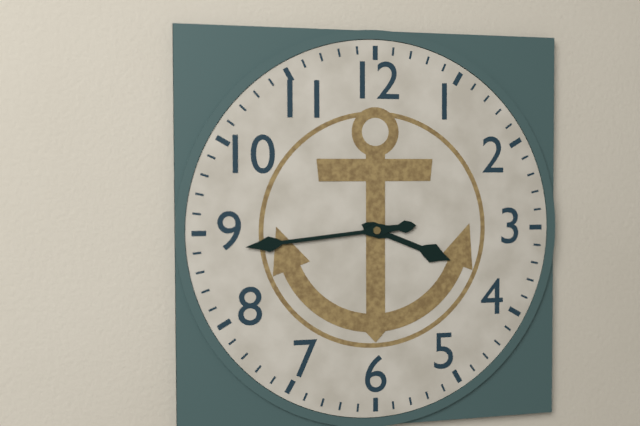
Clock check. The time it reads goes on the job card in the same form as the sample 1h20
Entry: 3h44
